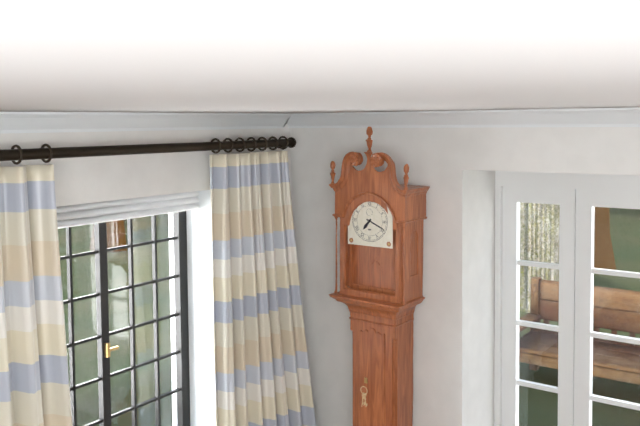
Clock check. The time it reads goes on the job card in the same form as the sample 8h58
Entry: 7h19
